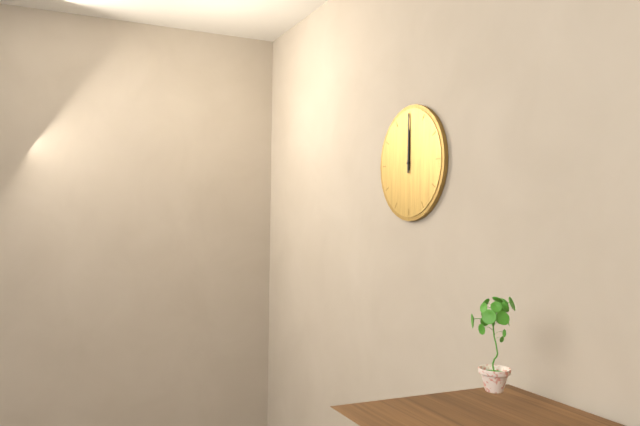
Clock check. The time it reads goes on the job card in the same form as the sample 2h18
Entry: 12h00
